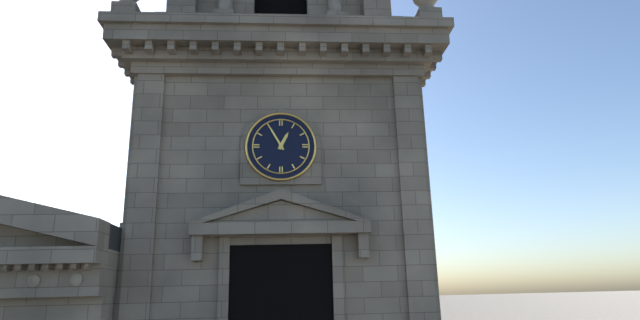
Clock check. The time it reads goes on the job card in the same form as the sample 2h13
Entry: 12h55
